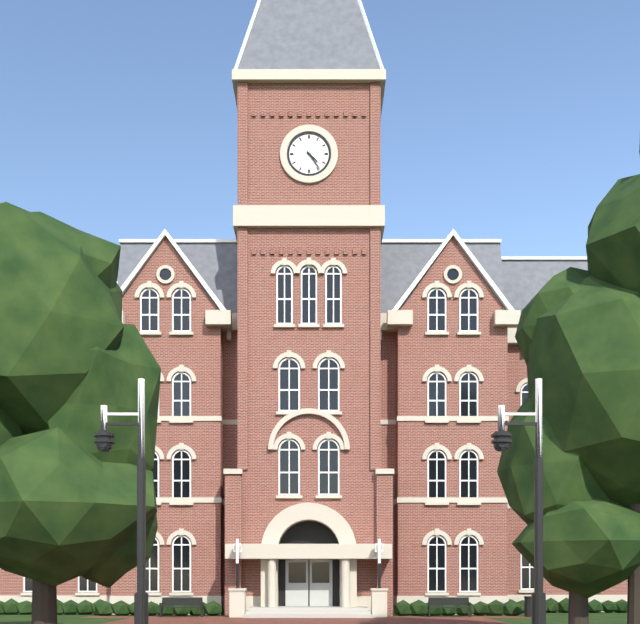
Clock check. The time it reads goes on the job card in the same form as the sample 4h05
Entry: 4h24
